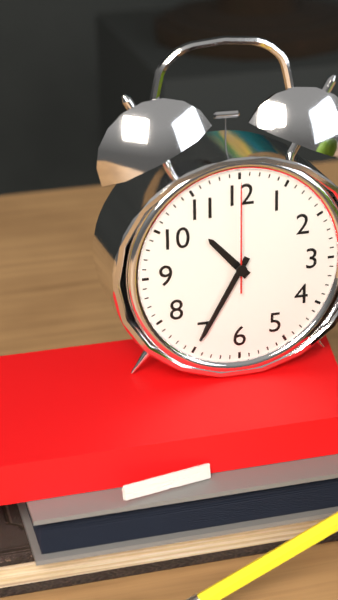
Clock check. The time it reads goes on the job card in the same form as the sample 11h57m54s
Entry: 10h35m00s
